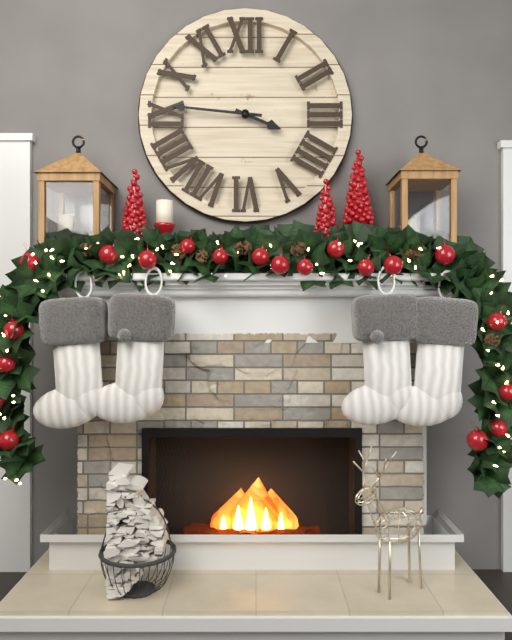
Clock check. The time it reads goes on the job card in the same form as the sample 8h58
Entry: 3h46
